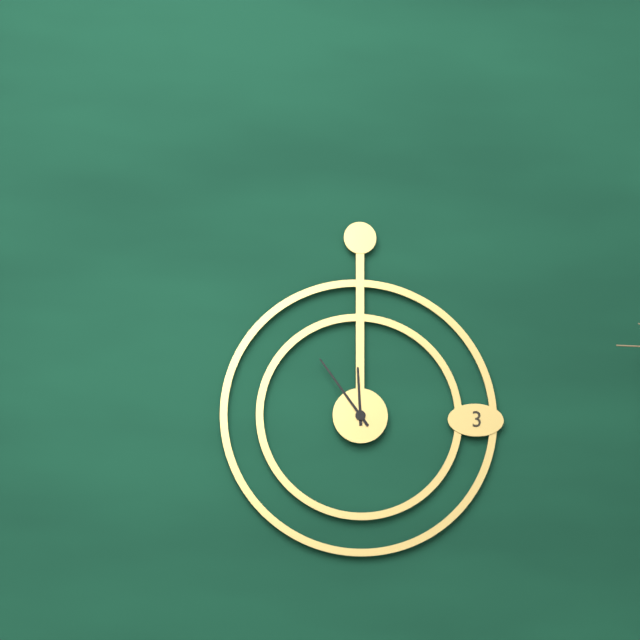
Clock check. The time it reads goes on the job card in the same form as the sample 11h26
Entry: 11h54
